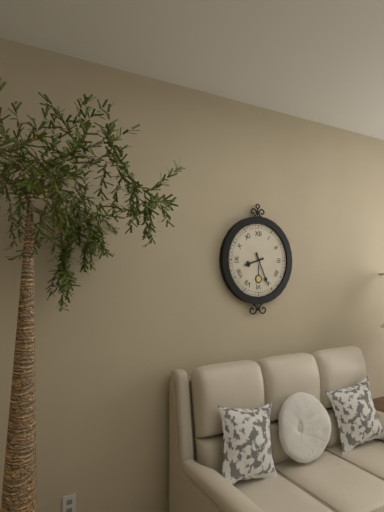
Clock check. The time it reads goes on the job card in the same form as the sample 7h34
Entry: 8h26
